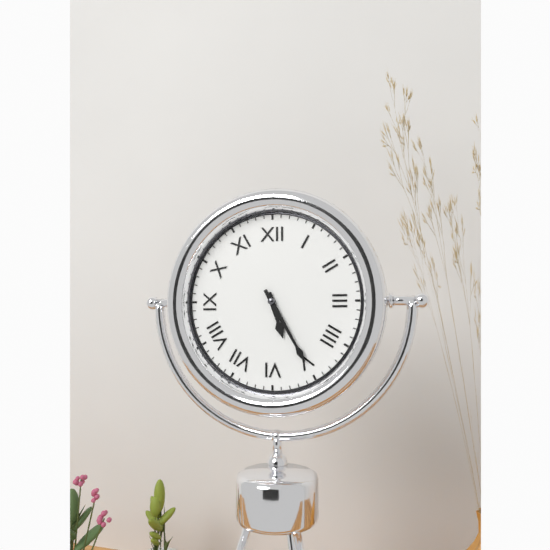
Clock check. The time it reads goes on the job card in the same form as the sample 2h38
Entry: 5h25
